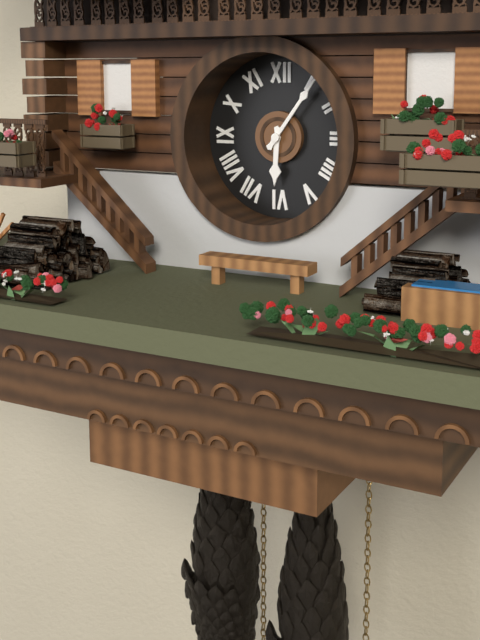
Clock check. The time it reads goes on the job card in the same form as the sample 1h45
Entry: 6h06
